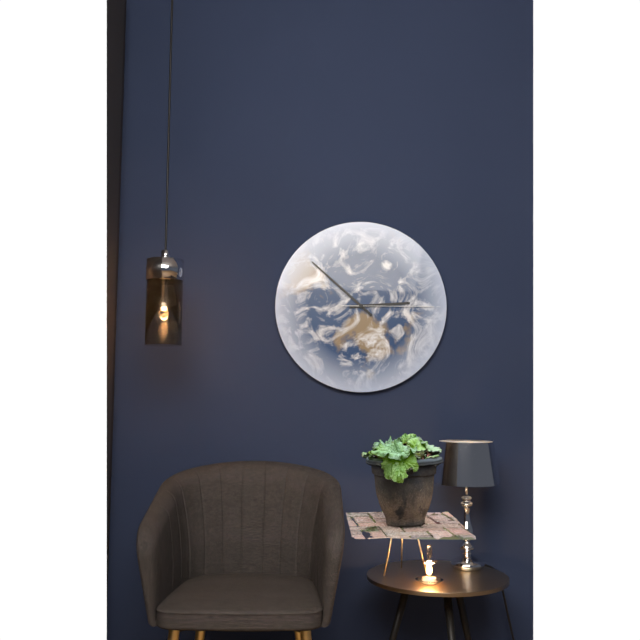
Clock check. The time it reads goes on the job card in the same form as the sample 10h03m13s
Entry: 2h52m15s
